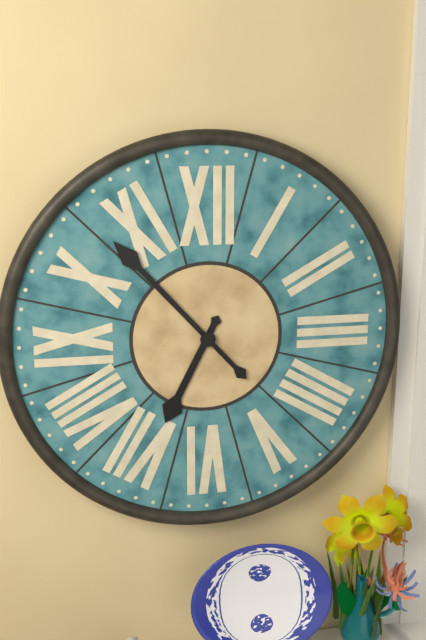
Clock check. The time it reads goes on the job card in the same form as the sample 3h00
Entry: 6h53
